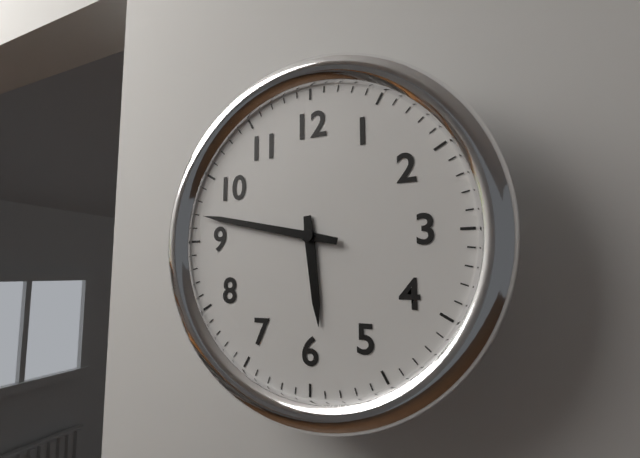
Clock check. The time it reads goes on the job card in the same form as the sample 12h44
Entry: 5h47
